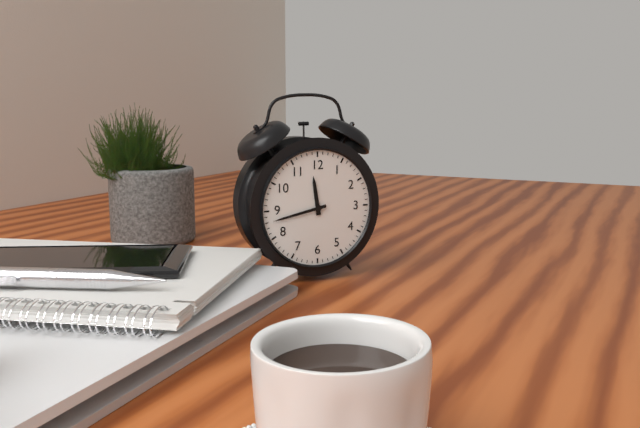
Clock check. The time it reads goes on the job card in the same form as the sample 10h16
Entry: 11h43
